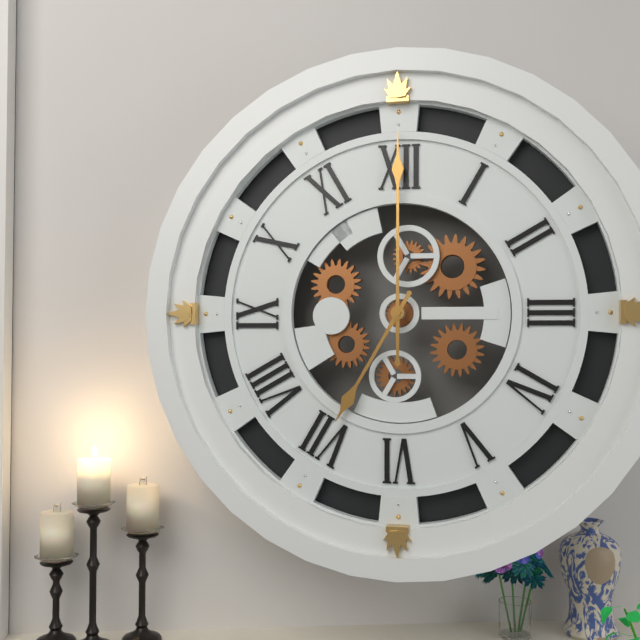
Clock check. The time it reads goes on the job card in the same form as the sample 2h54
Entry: 7h00
